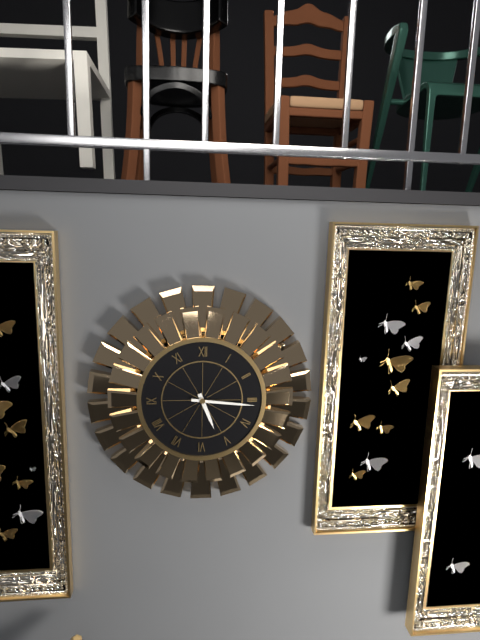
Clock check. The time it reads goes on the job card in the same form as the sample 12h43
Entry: 5h16
